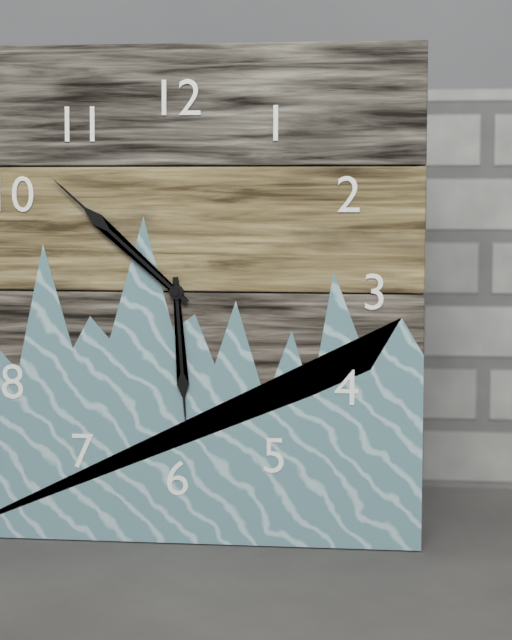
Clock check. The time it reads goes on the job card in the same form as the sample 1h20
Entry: 5h52
